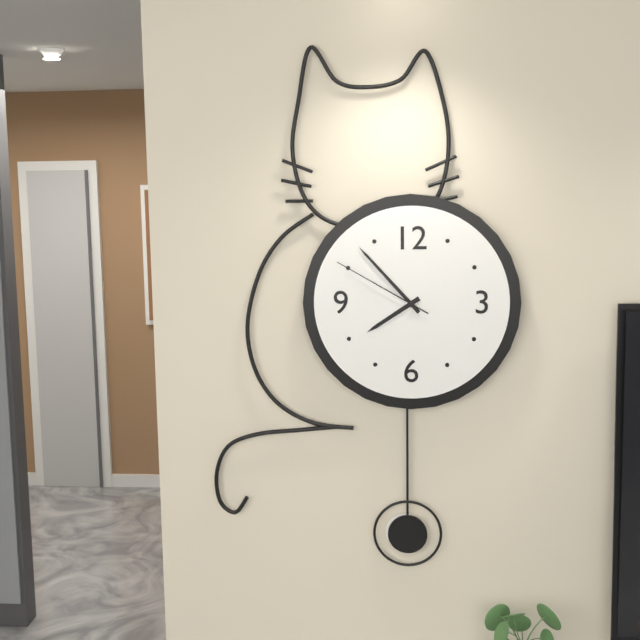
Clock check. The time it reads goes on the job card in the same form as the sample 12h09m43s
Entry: 7h53m50s
